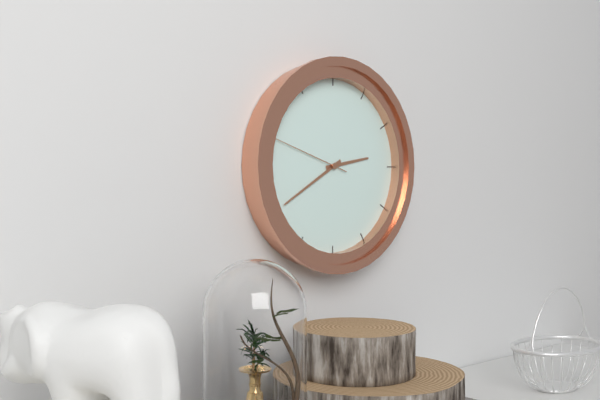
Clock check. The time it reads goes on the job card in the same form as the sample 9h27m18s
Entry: 2h40m48s
